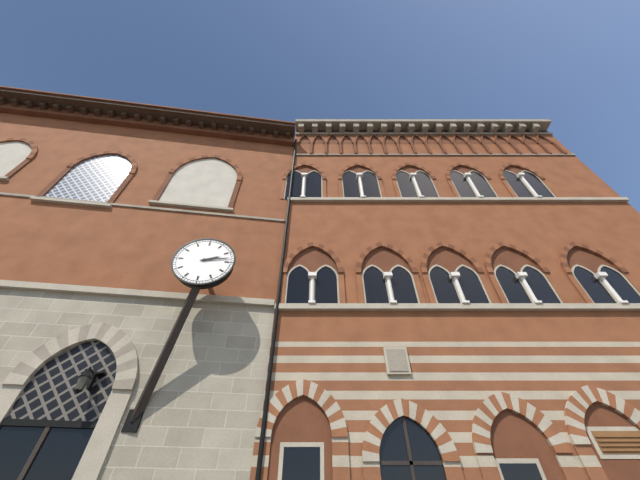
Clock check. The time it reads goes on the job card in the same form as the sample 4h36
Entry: 2h13
